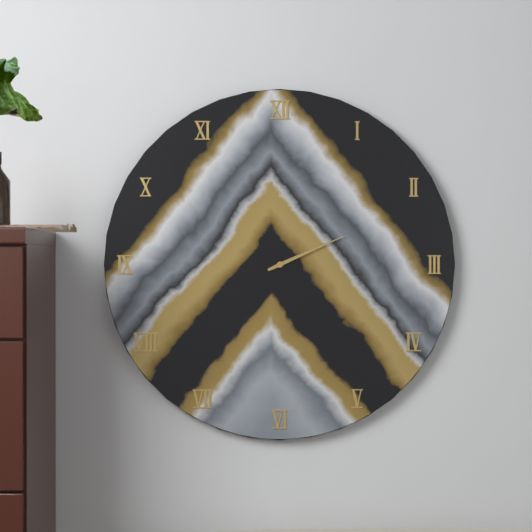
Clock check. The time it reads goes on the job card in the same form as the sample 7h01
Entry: 2h11
